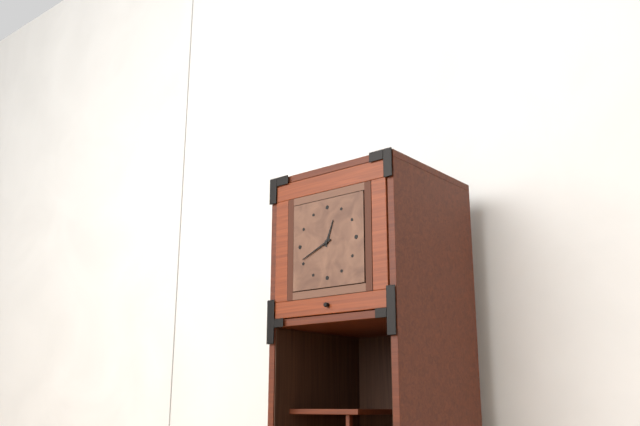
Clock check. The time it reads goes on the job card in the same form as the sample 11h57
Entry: 12h41
